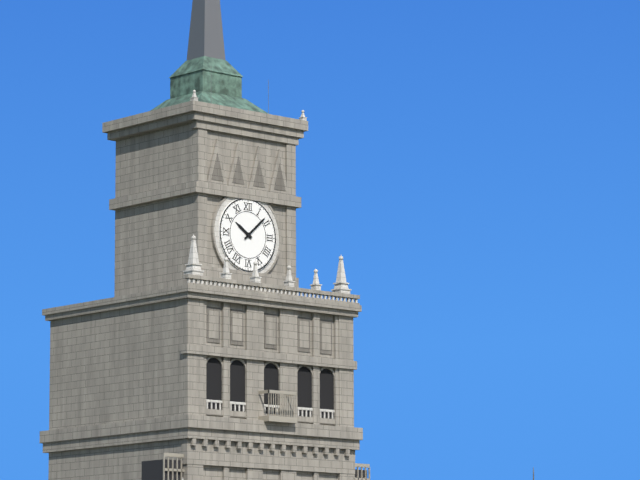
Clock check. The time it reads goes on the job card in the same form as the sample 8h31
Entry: 10h08
